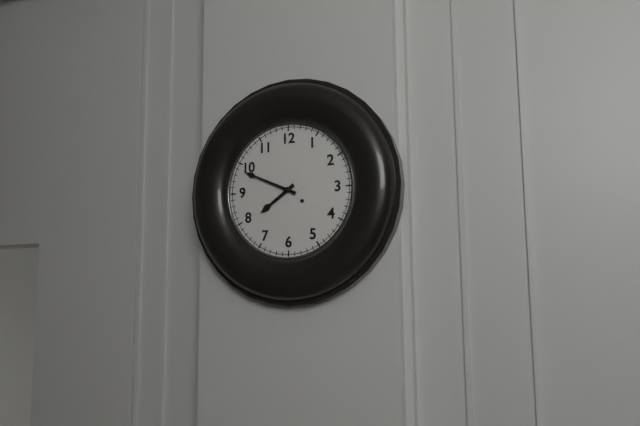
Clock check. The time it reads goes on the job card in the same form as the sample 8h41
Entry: 7h49
